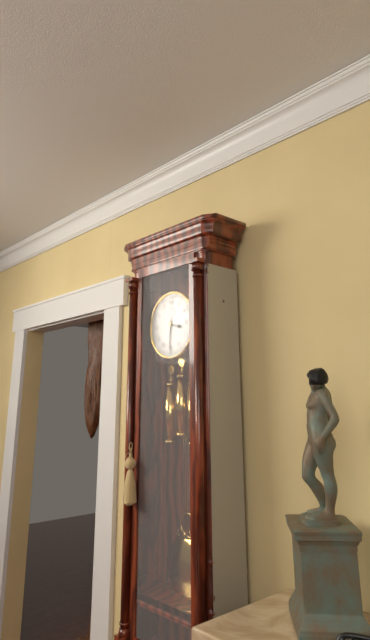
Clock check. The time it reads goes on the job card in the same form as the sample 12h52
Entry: 3h31
